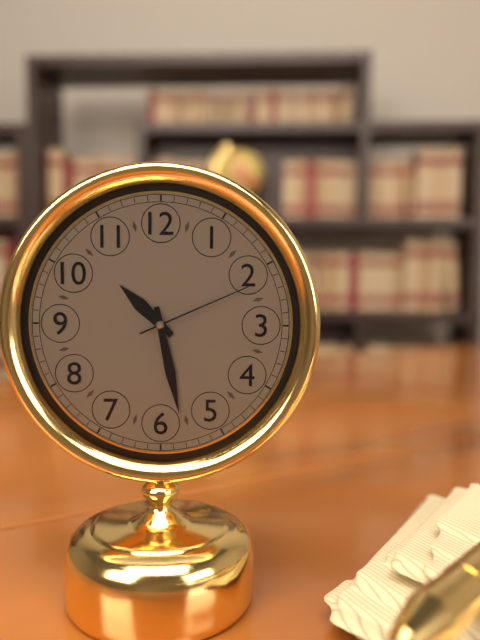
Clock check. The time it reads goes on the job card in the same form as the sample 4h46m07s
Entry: 10h28m11s
